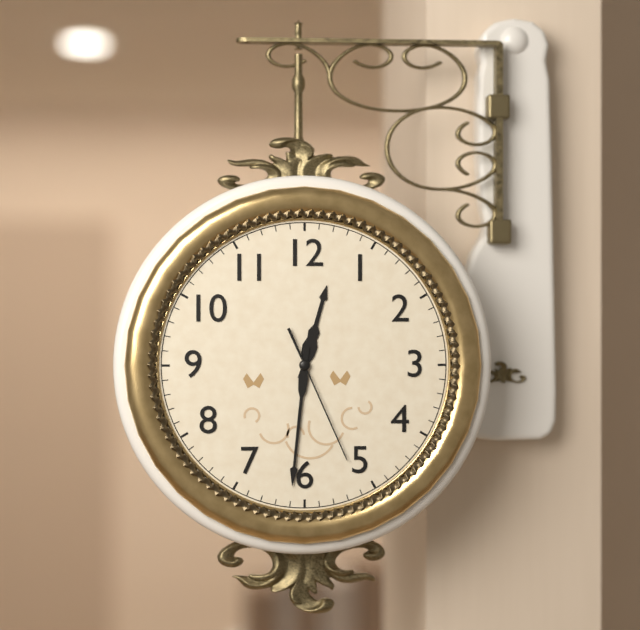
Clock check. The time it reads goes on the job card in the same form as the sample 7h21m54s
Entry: 12h31m26s
